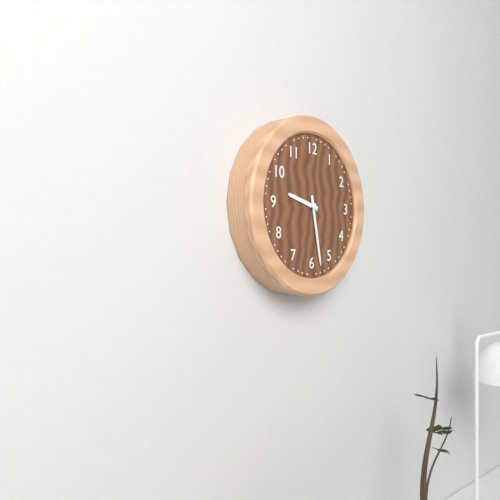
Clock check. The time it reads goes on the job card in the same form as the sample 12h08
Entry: 9h28
